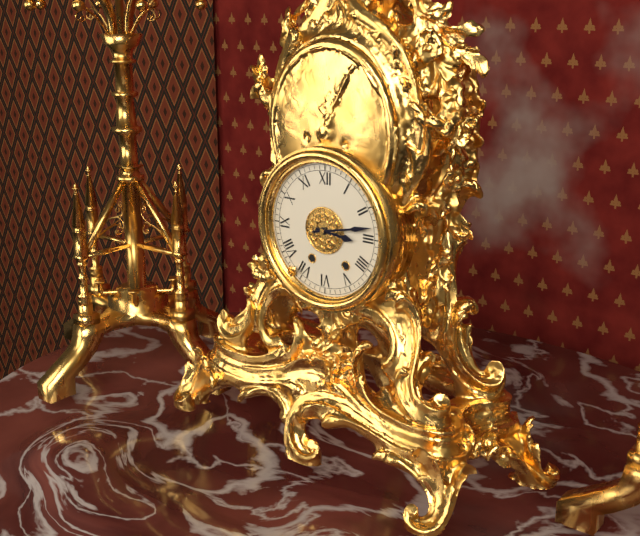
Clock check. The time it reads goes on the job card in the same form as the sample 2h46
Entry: 3h13
